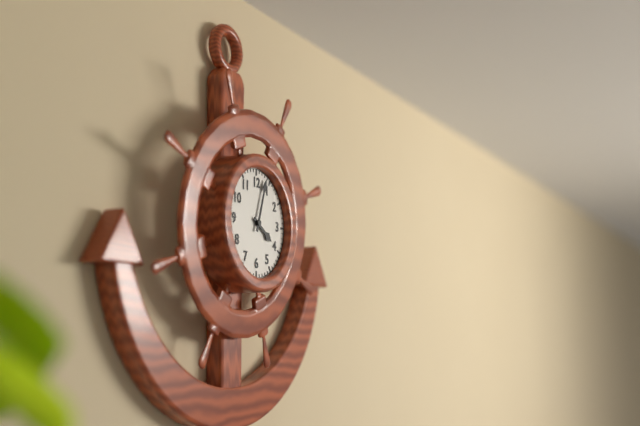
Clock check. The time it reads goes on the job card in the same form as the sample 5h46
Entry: 4h03
